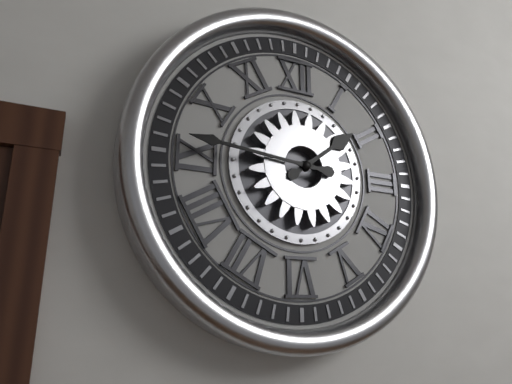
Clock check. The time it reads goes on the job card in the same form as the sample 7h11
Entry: 1h46
